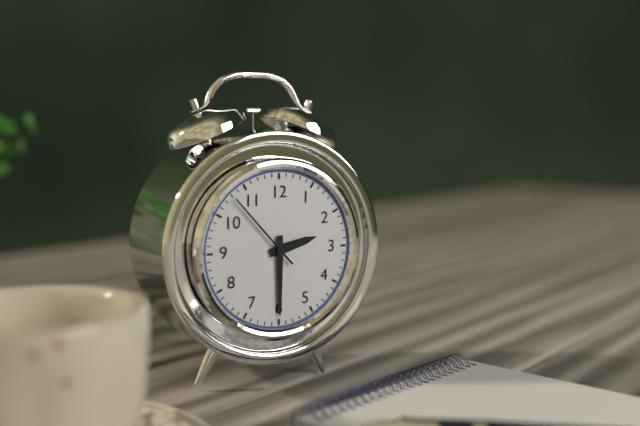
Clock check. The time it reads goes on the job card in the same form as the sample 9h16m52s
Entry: 2h30m53s
